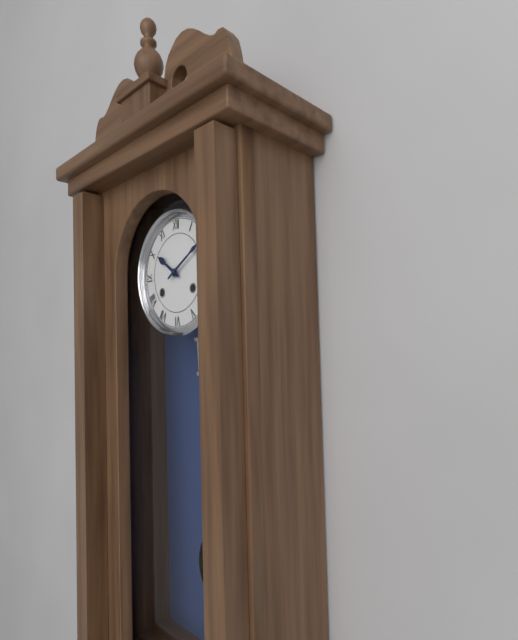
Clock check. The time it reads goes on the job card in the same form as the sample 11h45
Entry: 10h10
